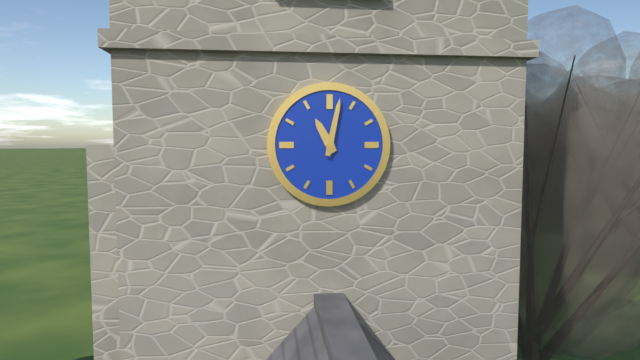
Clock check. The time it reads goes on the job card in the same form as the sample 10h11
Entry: 11h02
